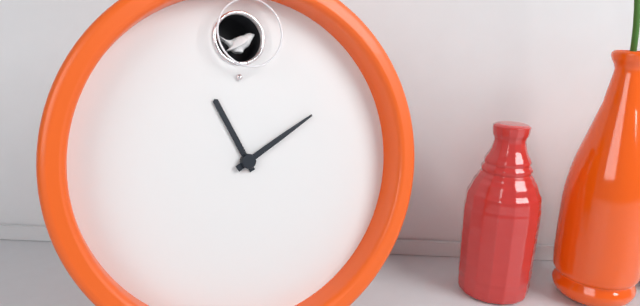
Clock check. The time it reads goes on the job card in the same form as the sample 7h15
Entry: 11h10
